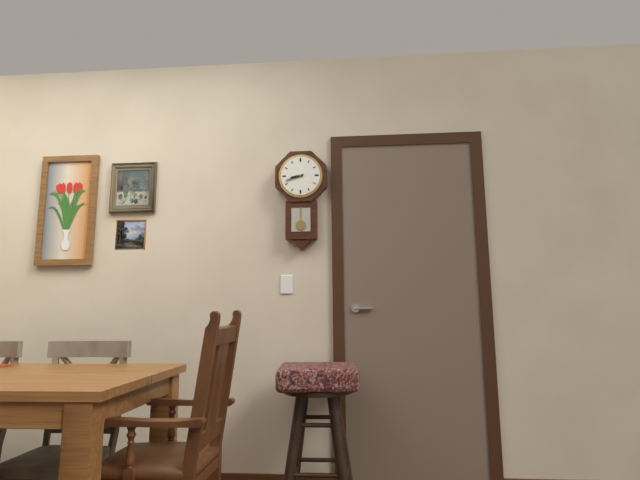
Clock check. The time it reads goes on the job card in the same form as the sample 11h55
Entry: 8h42
